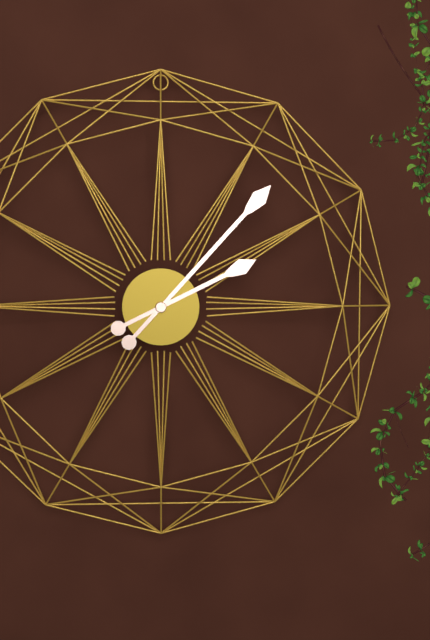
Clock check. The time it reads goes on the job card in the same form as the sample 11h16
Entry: 2h07
